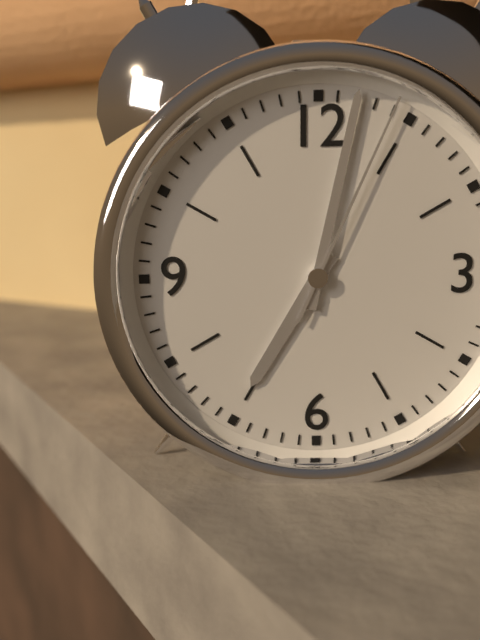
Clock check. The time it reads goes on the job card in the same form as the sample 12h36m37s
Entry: 7h02m04s
